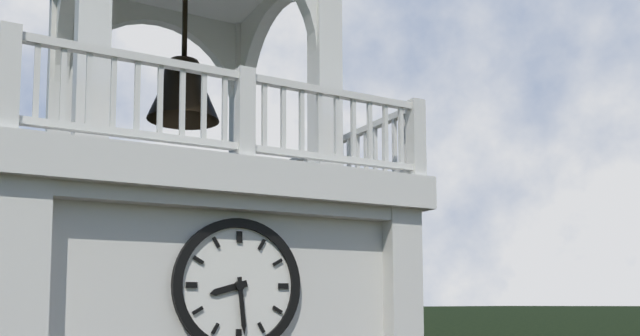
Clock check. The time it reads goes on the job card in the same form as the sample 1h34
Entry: 8h29
